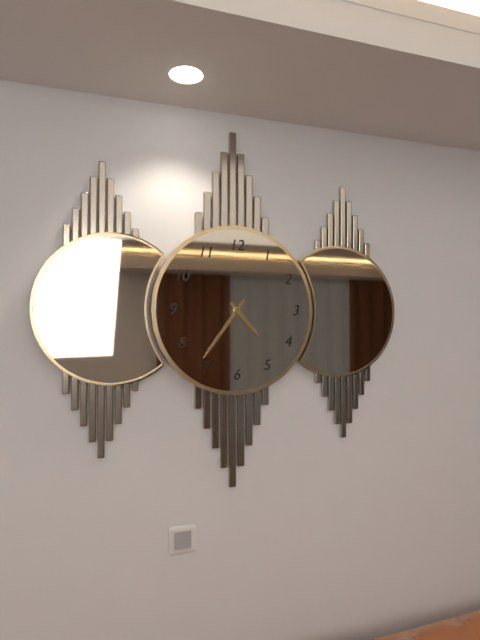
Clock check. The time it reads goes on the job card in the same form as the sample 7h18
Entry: 4h36
